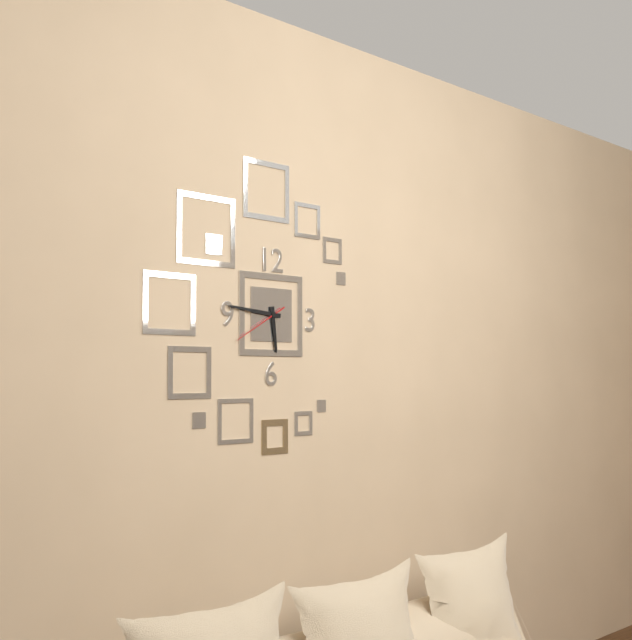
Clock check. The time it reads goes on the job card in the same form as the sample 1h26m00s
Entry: 5h46m40s
